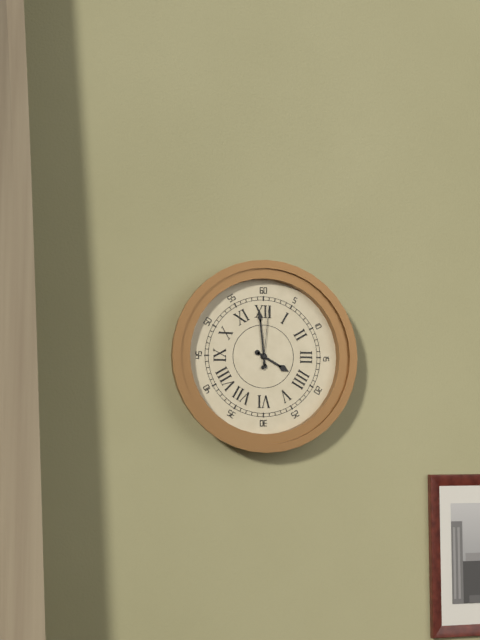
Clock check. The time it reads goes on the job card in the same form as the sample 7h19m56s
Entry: 3h59m01s
